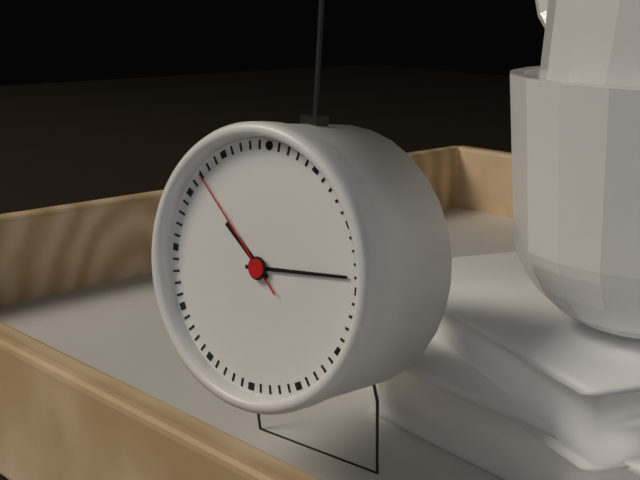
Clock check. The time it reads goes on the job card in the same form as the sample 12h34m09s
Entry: 10h14m52s
